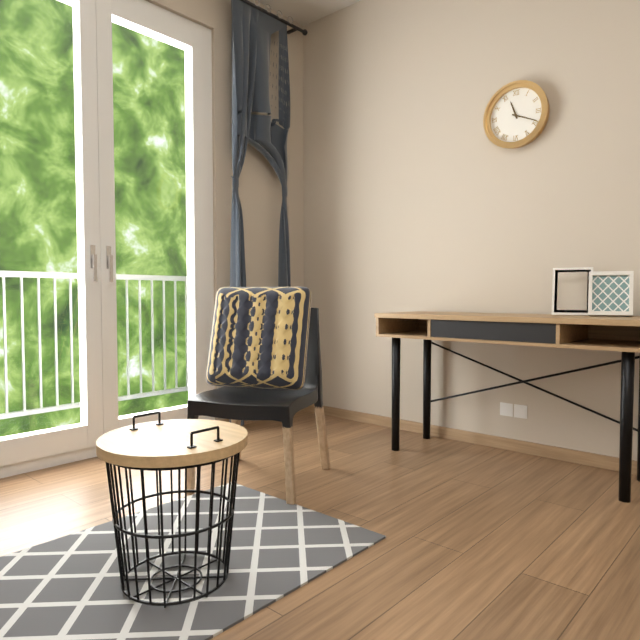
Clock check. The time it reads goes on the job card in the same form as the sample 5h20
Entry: 11h19
